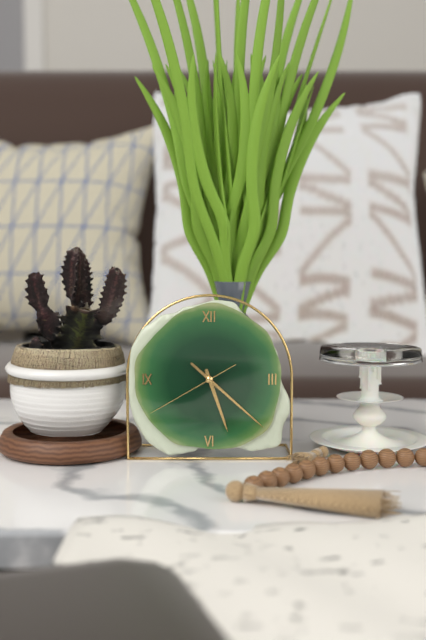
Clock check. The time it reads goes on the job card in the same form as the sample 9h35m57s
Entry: 5h22m40s
